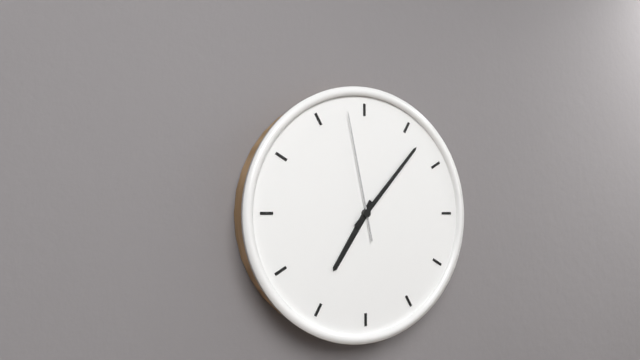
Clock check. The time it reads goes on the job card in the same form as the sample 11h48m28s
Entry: 7h07m58s
